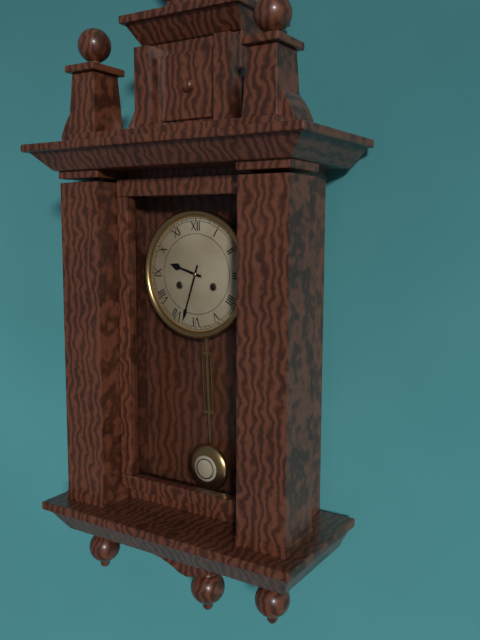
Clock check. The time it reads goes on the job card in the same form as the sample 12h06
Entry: 9h33
